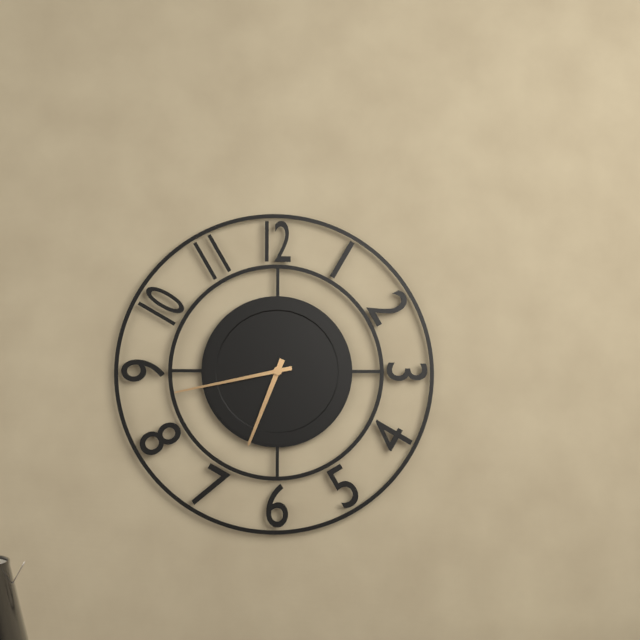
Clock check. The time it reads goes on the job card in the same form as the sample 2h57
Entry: 6h43
